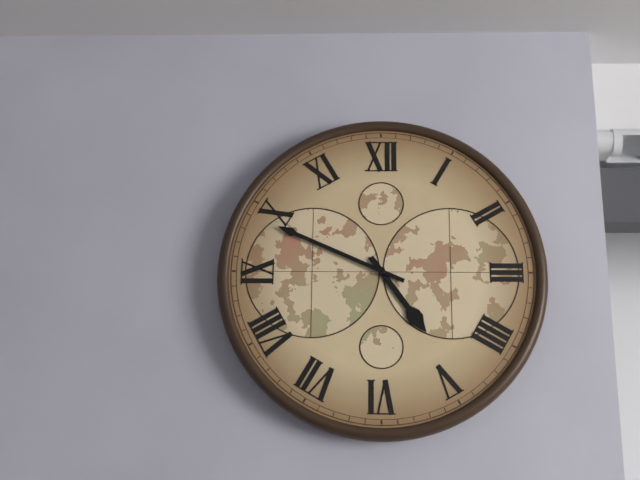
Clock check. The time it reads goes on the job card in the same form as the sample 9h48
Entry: 4h49
